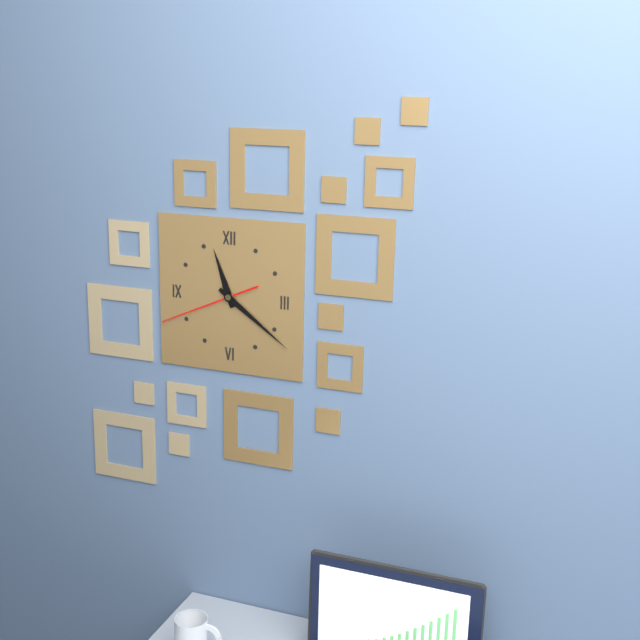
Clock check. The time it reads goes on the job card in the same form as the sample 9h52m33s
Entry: 11h21m41s
